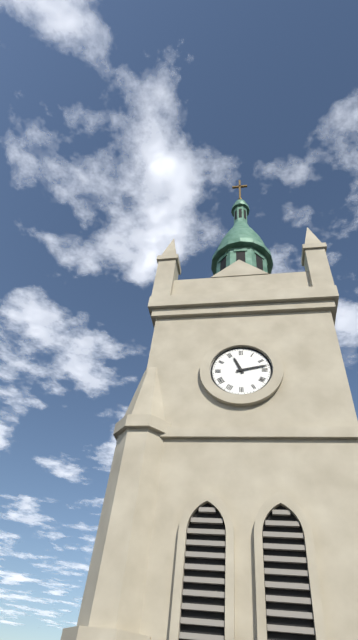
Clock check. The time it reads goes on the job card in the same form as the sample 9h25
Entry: 11h13
